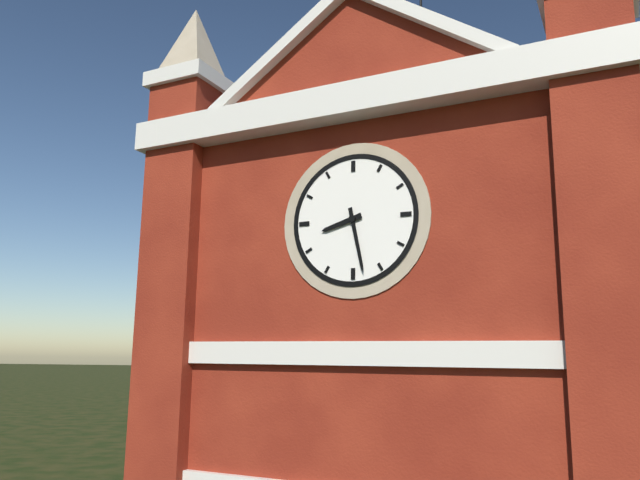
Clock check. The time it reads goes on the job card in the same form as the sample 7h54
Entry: 8h28
